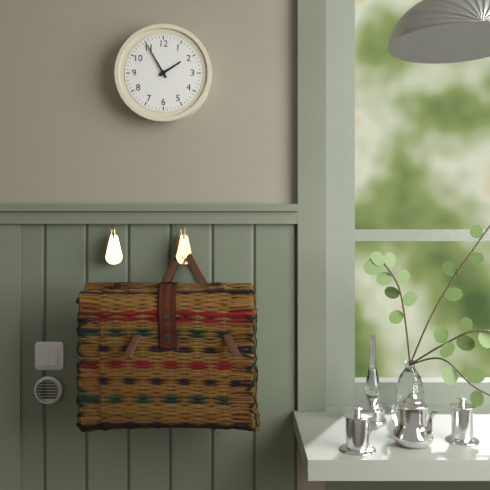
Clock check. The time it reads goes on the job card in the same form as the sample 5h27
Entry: 1h55
